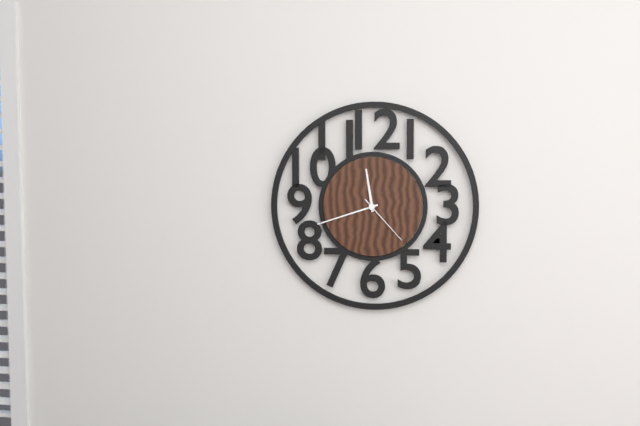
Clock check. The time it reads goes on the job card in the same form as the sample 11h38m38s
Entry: 11h42m23s
